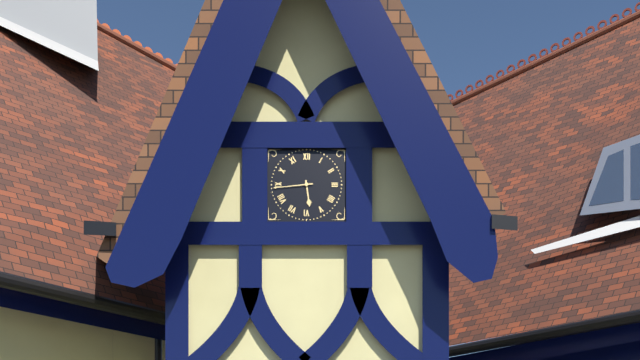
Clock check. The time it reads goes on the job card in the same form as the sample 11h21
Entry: 5h44
